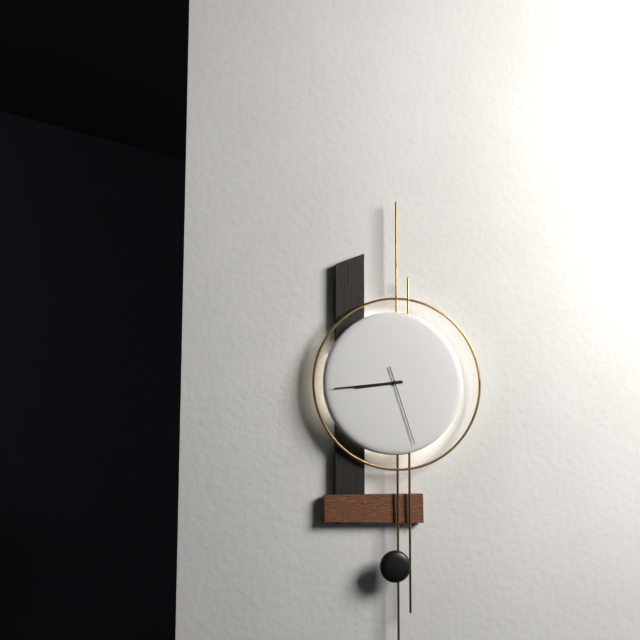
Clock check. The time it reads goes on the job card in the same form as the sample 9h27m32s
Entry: 8h44m27s
